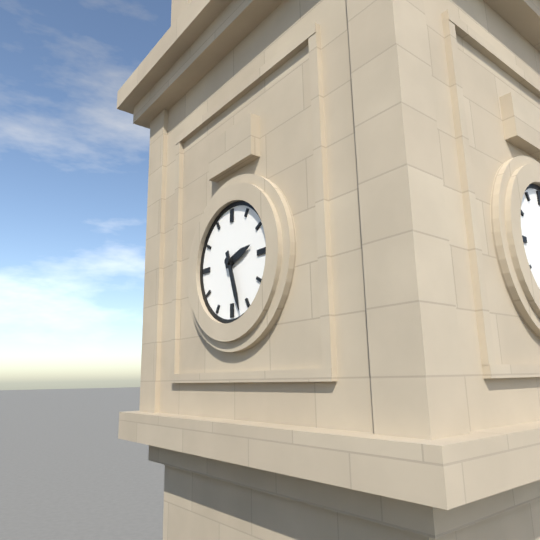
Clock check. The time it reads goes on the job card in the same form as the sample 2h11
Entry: 2h27
